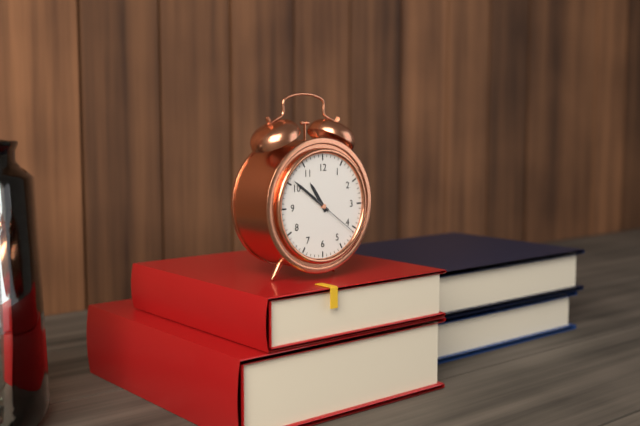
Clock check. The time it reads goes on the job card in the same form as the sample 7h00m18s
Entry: 10h51m21s
